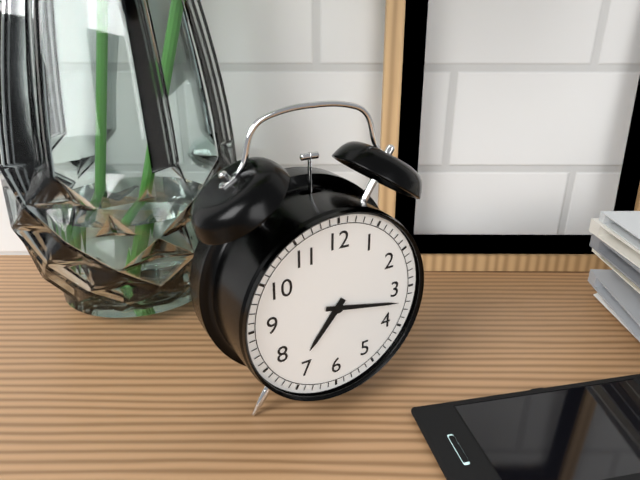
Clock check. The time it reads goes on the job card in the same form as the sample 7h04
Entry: 7h17
